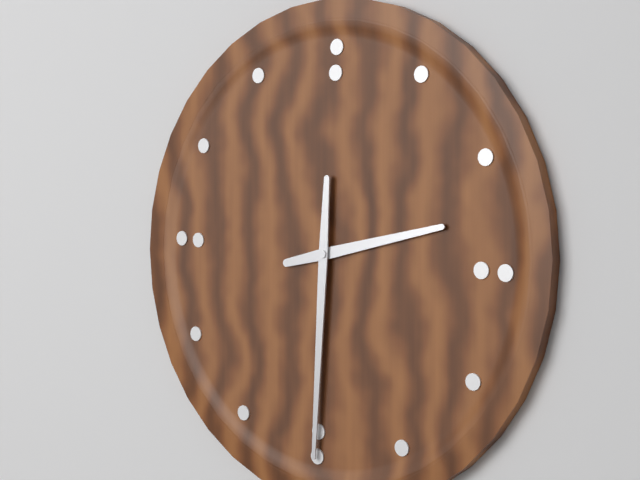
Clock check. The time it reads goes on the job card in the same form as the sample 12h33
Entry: 2h30
